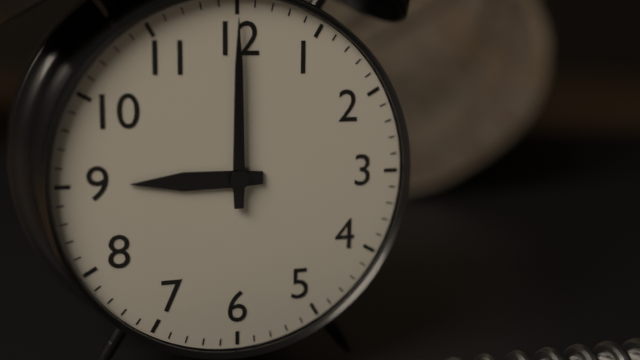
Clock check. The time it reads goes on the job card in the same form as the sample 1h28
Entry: 9h00
